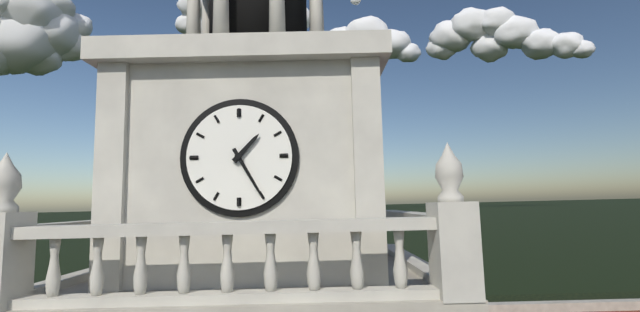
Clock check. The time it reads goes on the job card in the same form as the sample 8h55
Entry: 1h25
